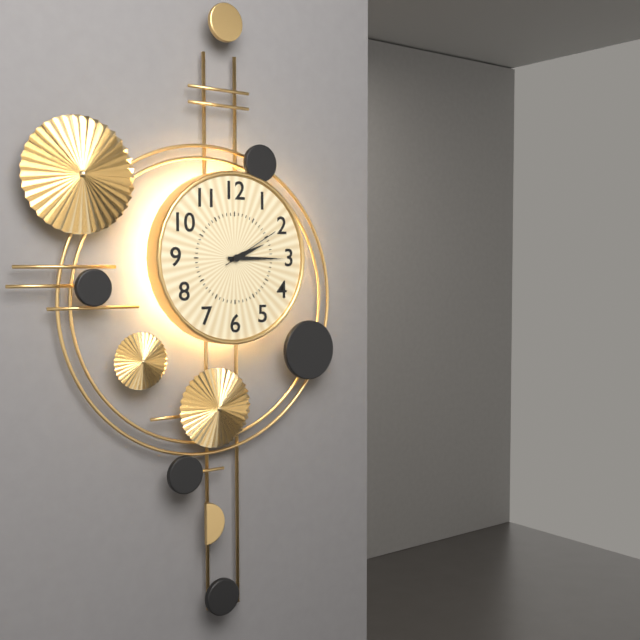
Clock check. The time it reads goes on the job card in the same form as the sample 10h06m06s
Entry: 2h15m10s
